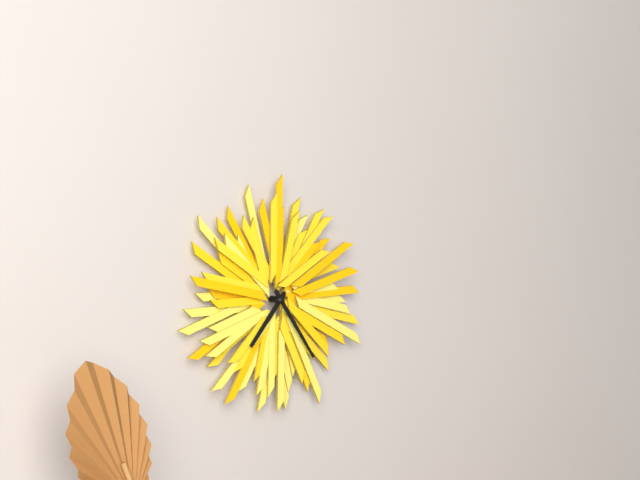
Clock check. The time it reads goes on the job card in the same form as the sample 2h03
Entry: 7h24
